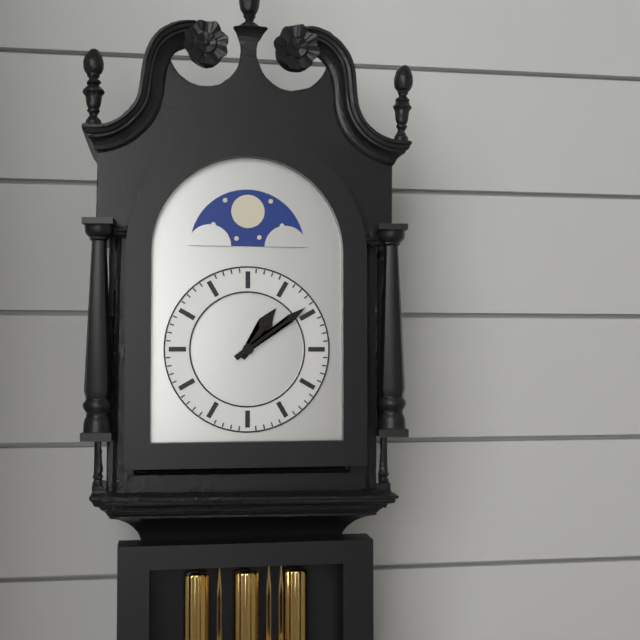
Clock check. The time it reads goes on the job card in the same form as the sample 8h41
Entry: 1h09
